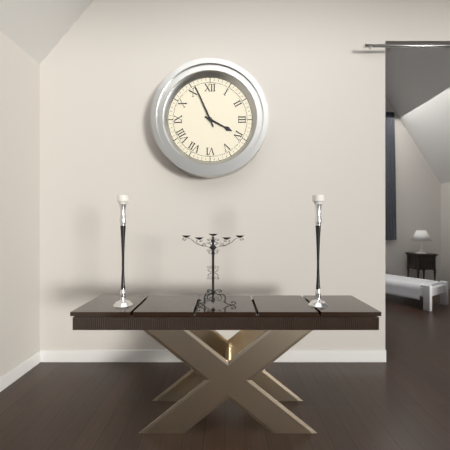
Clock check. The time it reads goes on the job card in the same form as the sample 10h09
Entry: 3h56
